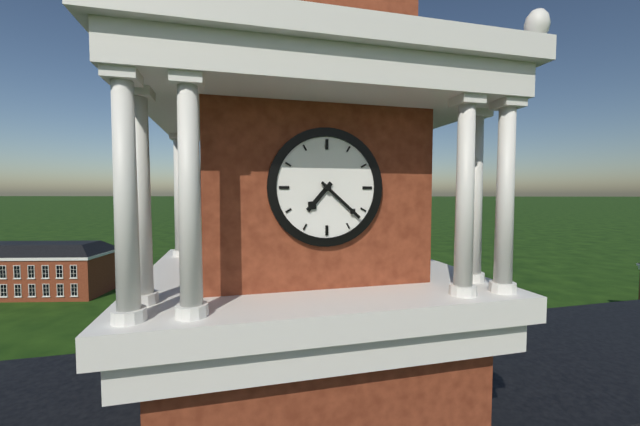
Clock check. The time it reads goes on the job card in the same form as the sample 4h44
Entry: 7h22
